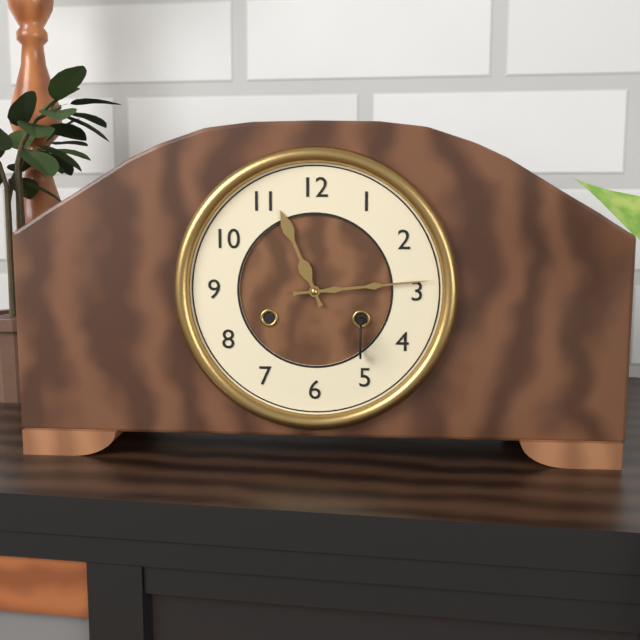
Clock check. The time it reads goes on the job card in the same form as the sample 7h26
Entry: 11h14
